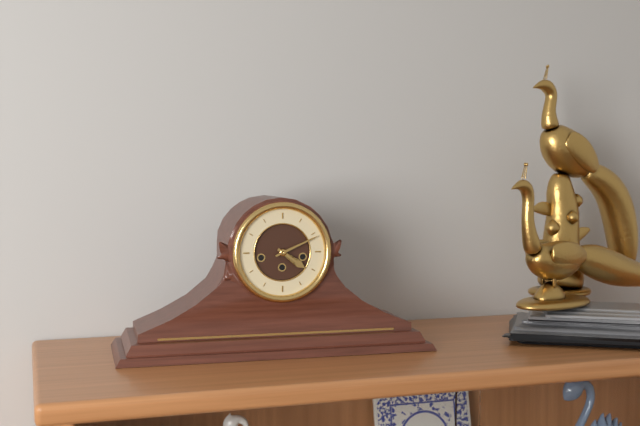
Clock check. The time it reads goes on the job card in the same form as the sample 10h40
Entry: 4h11
